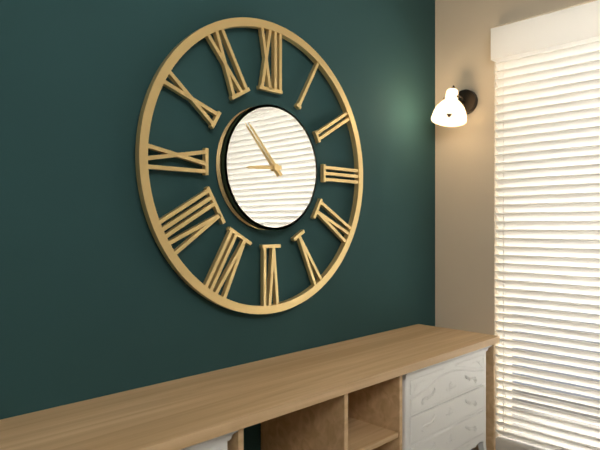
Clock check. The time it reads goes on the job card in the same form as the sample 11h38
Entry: 8h53
